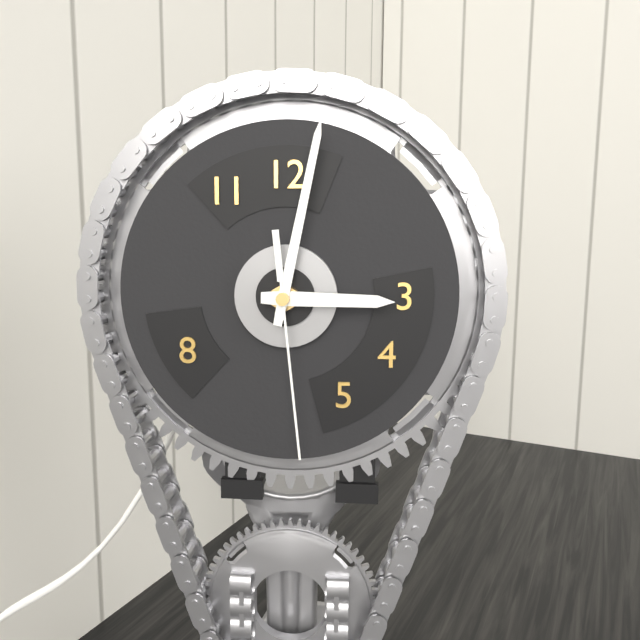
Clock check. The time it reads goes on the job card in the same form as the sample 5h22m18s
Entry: 3h02m29s
